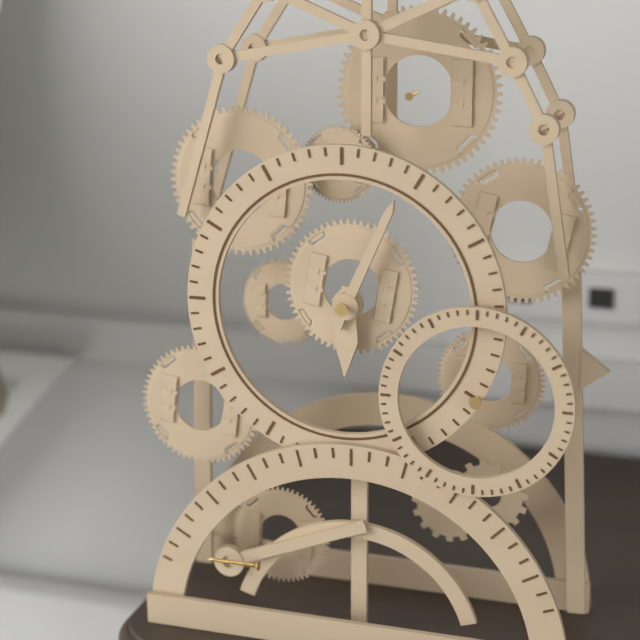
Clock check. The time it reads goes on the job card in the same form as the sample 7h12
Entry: 6h04
